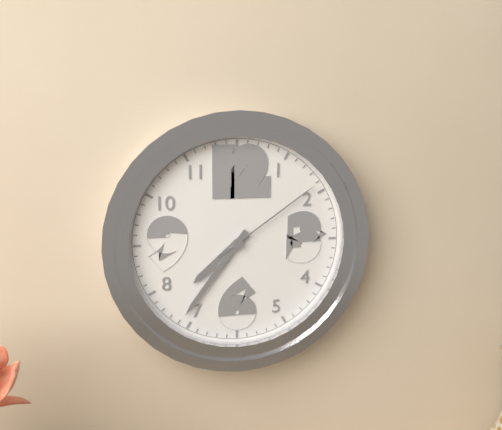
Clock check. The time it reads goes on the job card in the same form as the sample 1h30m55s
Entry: 7h36m09s
